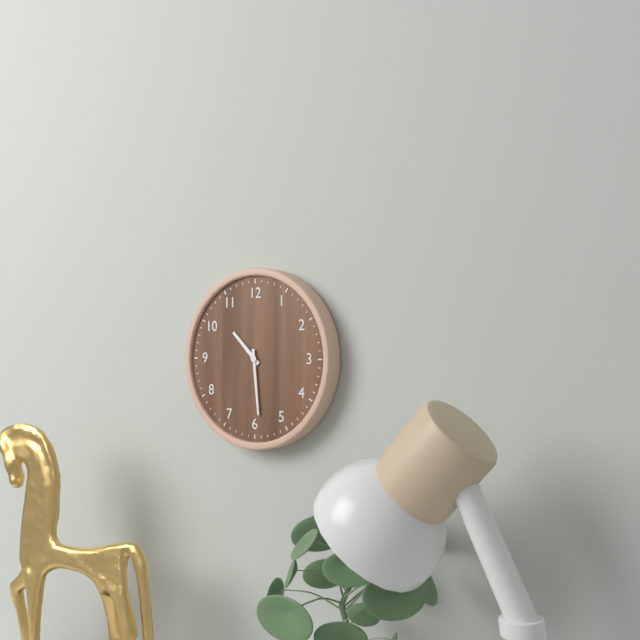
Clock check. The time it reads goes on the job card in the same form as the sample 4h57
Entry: 10h29
